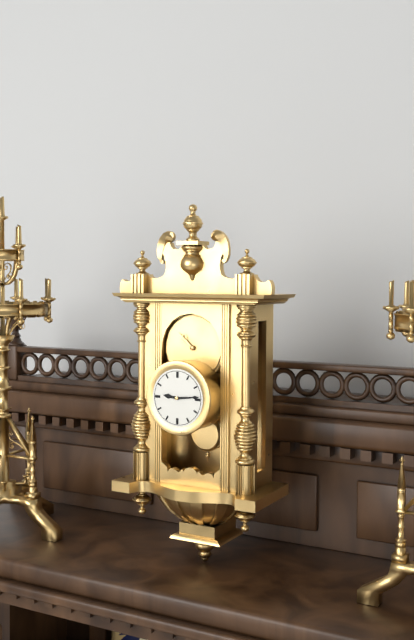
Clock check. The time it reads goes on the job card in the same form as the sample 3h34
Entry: 9h14
